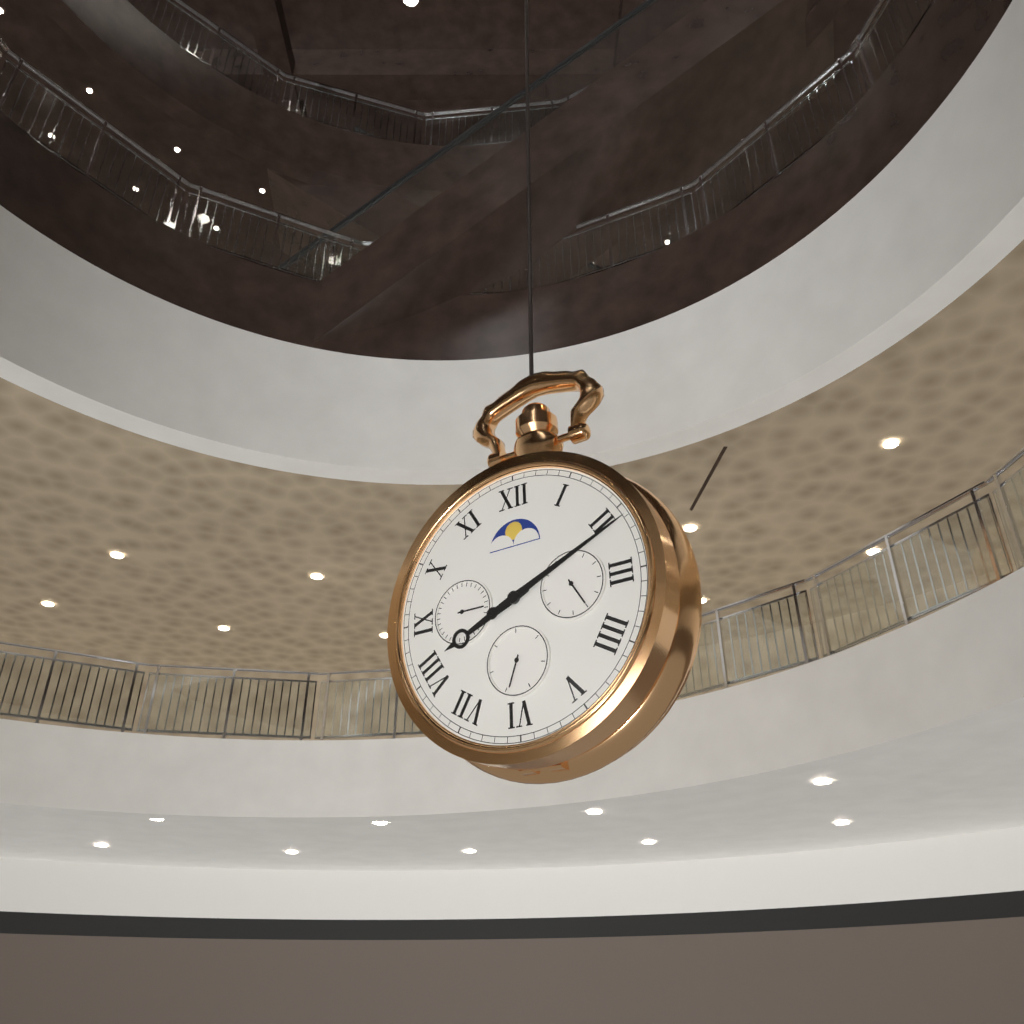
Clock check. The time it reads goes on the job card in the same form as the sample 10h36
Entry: 8h11
